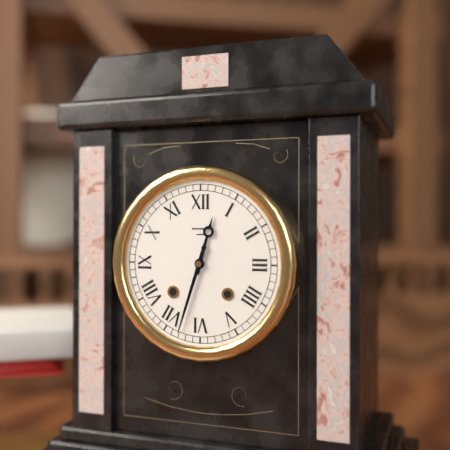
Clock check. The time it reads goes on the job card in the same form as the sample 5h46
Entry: 12h33
